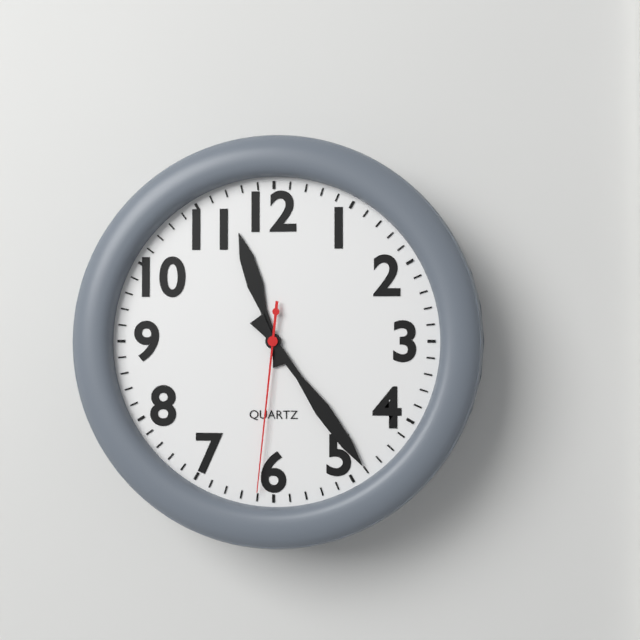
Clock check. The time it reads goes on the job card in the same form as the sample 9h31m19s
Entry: 11h24m31s
